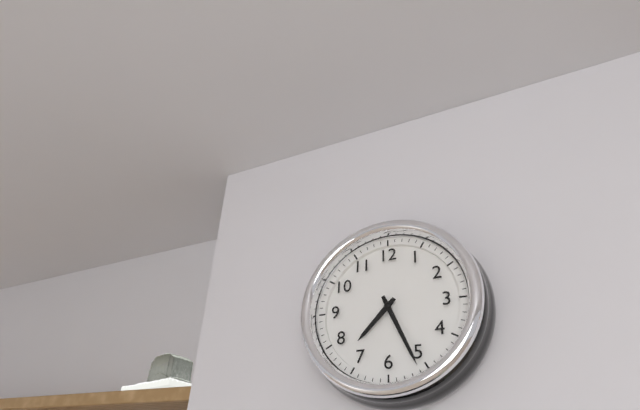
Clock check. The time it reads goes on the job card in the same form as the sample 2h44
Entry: 7h26
